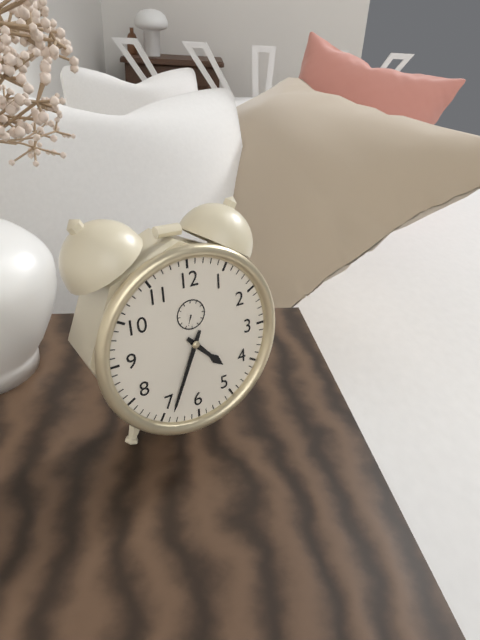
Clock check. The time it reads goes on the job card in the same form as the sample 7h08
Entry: 4h34
